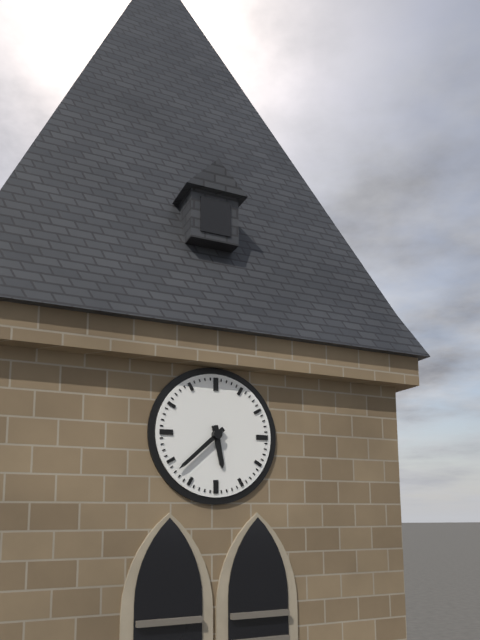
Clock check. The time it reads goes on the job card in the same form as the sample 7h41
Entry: 5h38
